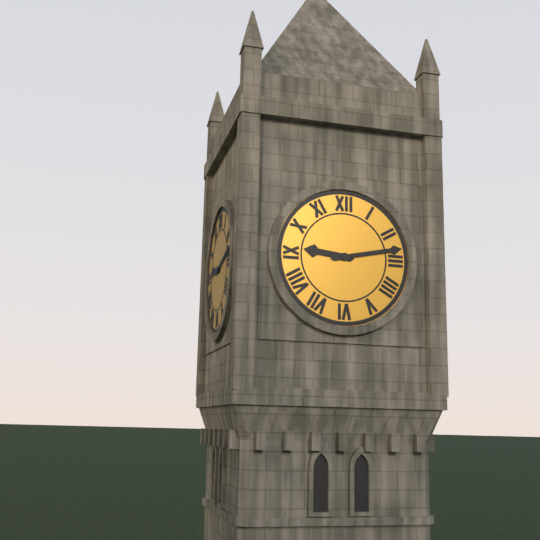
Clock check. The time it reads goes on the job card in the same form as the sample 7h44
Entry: 9h13
